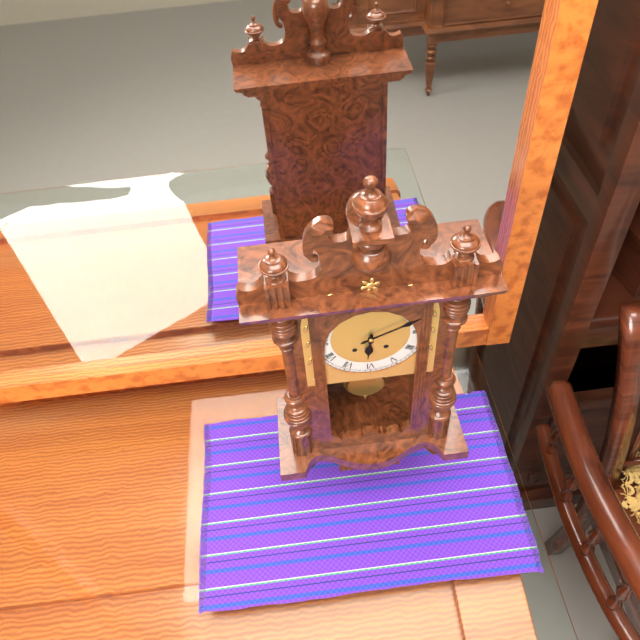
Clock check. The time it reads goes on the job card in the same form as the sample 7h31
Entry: 6h11
